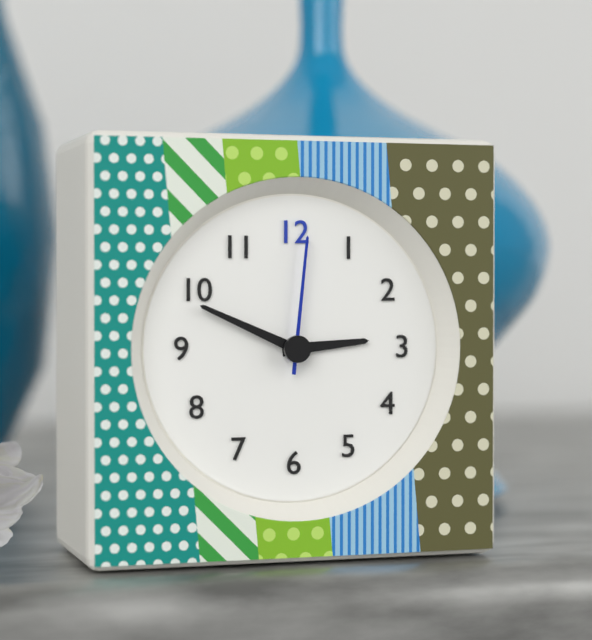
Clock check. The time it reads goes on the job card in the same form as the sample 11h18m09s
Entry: 2h49m01s
